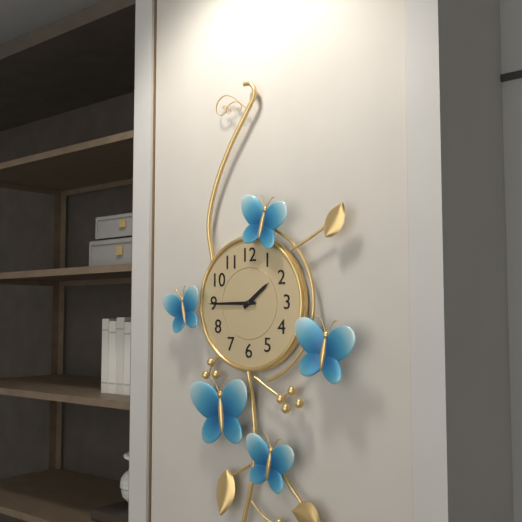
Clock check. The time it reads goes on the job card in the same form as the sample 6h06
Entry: 1h45
